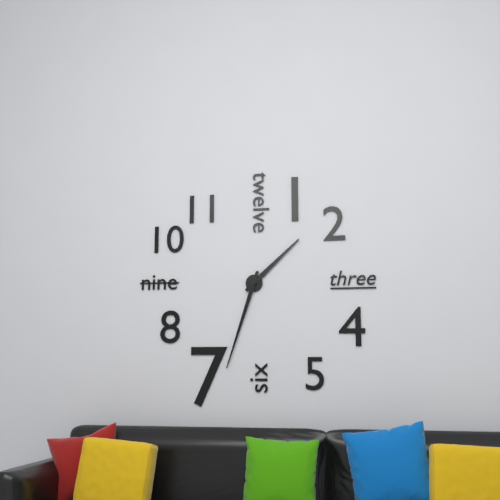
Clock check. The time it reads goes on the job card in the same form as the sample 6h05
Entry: 1h33
